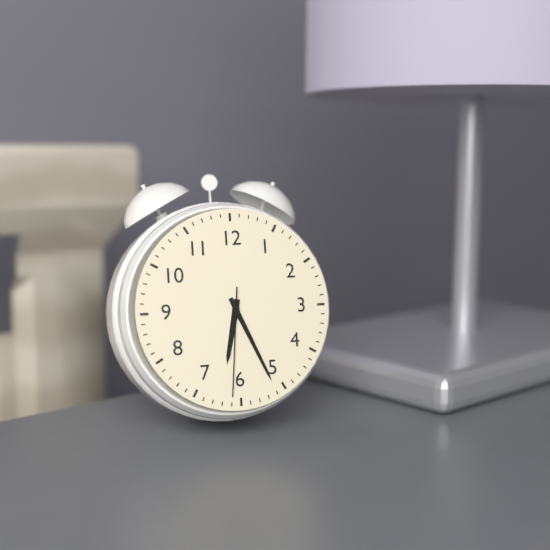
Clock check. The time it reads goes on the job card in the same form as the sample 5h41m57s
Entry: 6h26m31s
